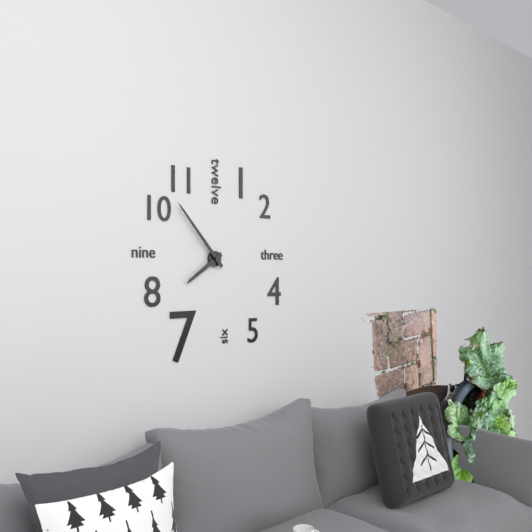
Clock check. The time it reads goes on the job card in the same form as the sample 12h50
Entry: 7h53
